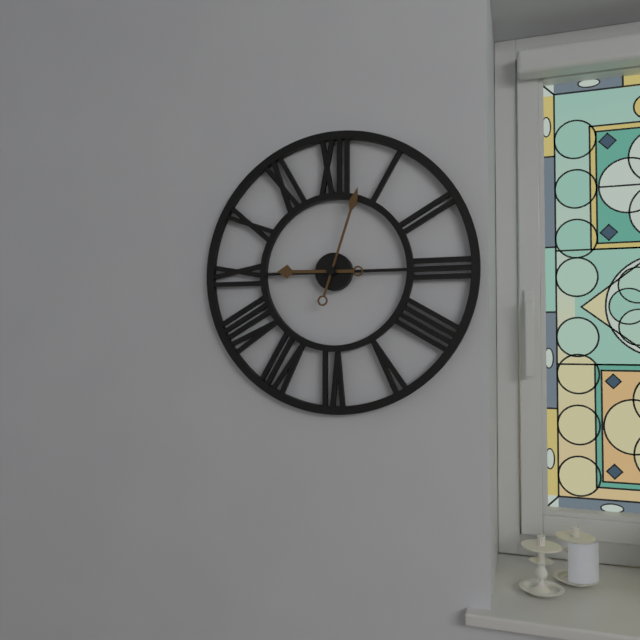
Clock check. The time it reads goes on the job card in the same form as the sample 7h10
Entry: 9h03
